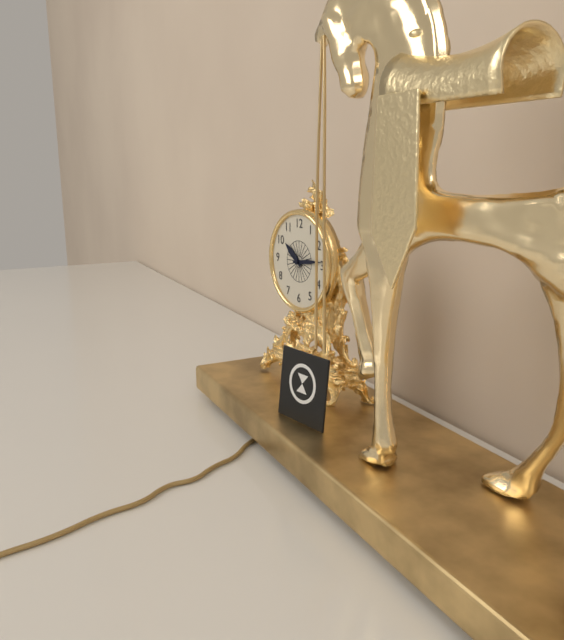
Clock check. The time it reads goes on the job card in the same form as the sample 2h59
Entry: 10h14
